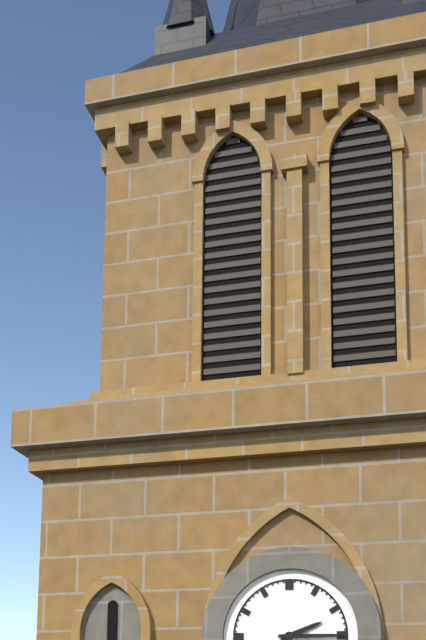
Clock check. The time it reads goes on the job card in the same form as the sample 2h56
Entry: 2h15
